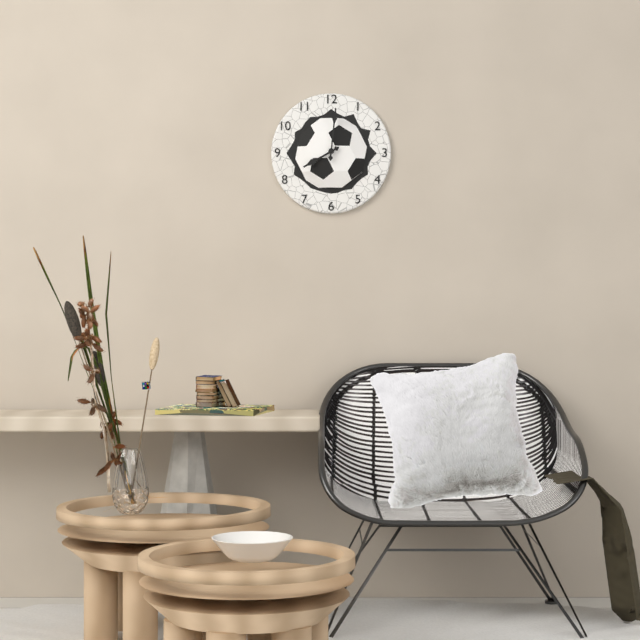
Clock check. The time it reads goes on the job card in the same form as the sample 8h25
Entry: 8h01
